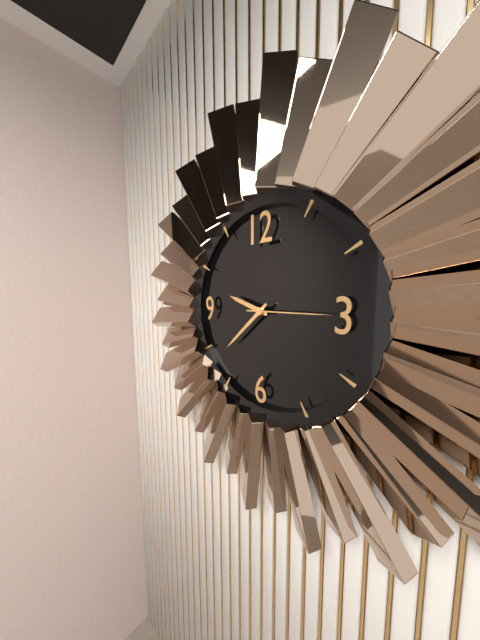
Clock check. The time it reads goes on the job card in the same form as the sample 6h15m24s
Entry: 9h38m15s
